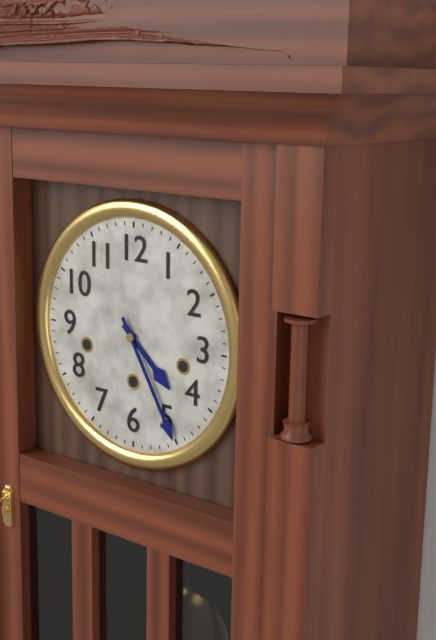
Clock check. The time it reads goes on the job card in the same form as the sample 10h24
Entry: 4h25
